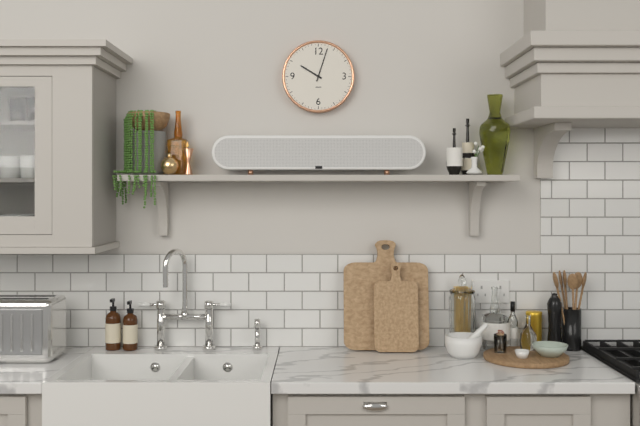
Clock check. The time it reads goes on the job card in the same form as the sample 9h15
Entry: 10h03
